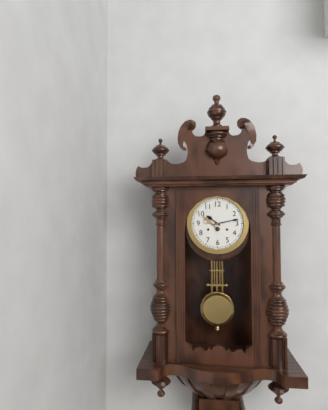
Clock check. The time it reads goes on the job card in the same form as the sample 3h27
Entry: 10h13
